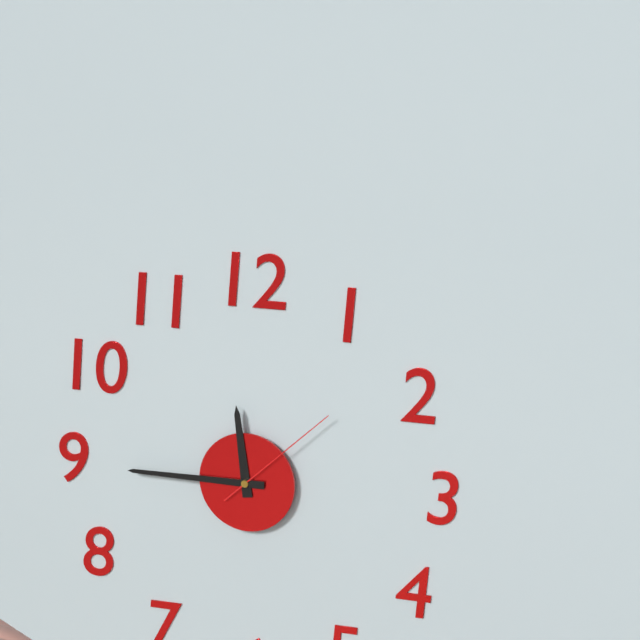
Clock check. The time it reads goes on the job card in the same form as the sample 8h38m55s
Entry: 11h45m08s
